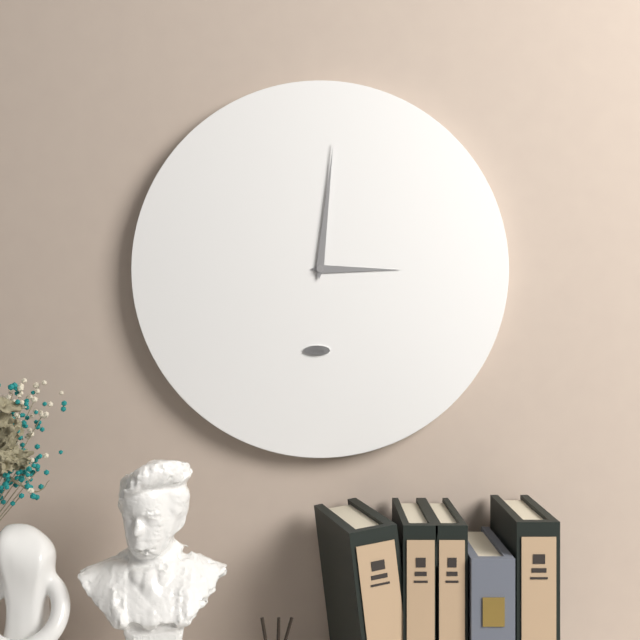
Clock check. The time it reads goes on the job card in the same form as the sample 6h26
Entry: 3h01
